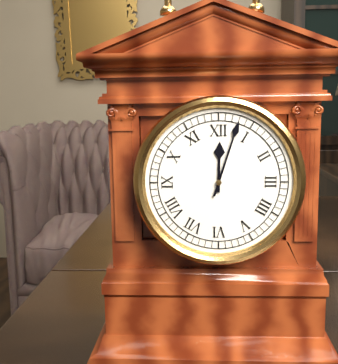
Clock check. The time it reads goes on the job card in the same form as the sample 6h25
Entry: 12h03
